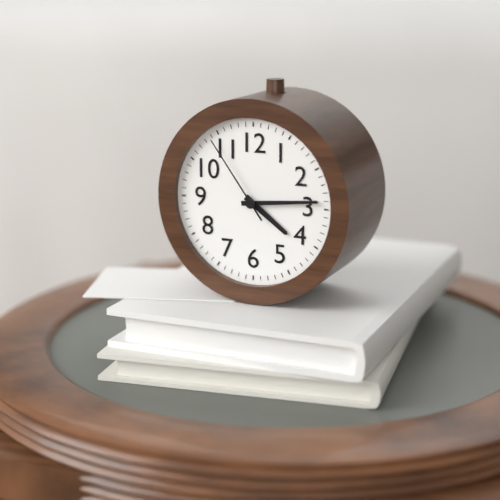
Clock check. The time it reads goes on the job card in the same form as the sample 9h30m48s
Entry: 4h14m54s
